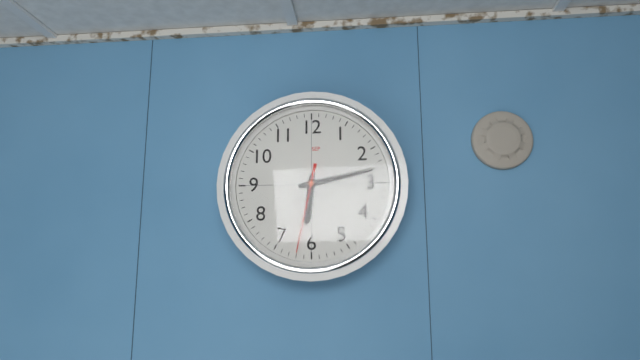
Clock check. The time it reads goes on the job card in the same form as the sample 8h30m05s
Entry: 6h13m32s
